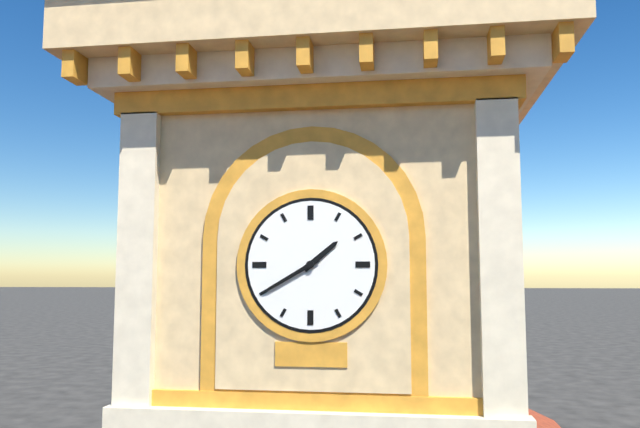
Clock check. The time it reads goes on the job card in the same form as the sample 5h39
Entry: 1h40
